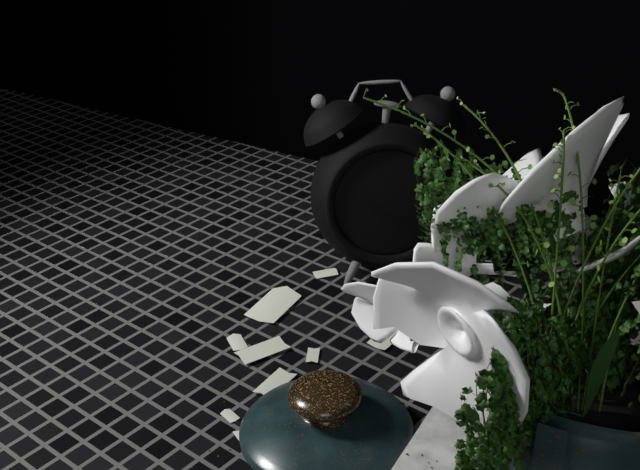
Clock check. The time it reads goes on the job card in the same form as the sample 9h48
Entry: 3h51
